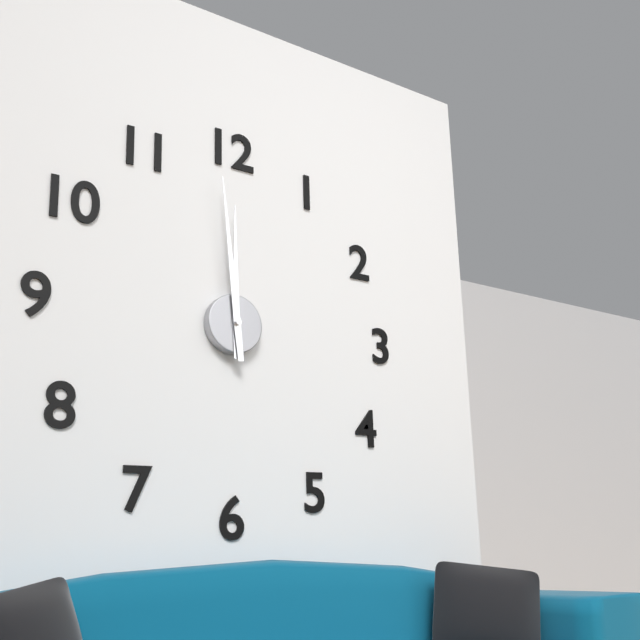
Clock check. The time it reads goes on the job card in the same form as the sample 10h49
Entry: 11h59
